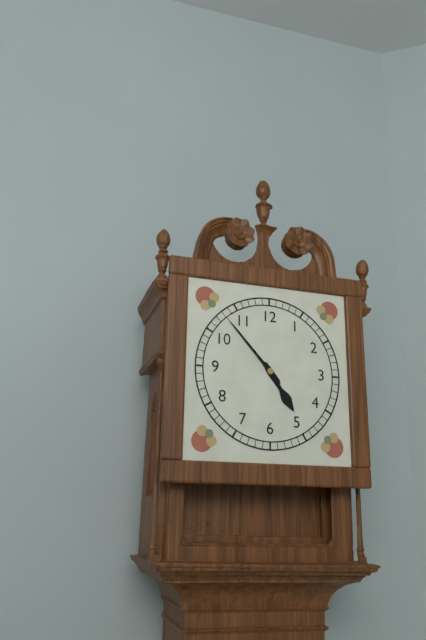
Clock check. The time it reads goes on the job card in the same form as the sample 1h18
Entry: 4h53
